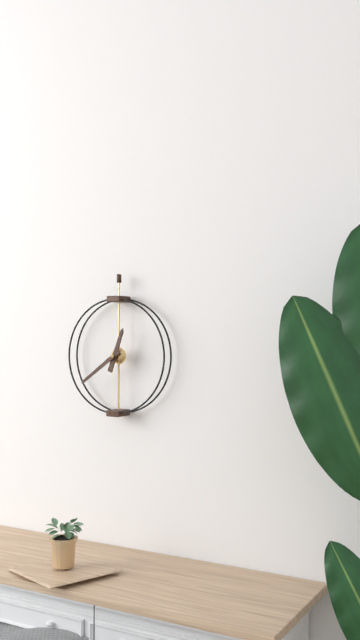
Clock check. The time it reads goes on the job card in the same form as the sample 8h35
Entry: 12h39
